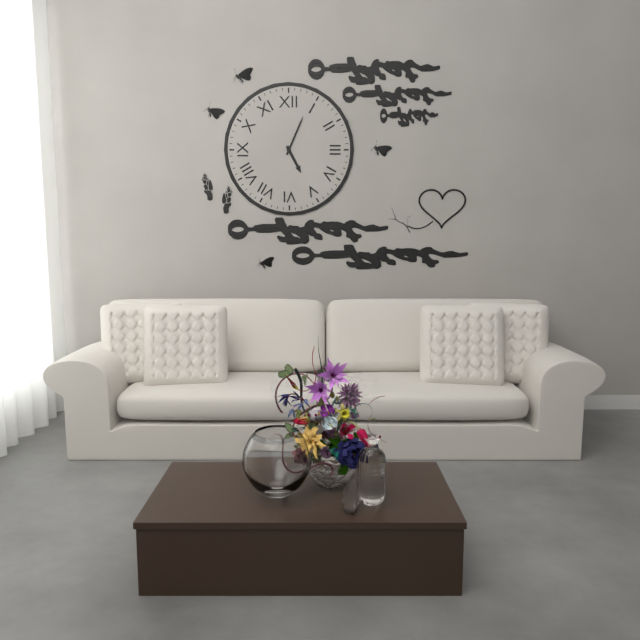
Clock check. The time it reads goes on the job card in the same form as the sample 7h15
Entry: 5h04
